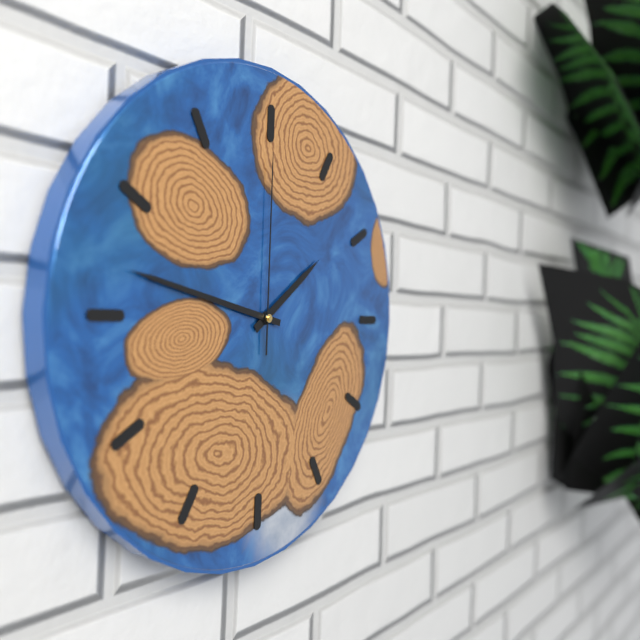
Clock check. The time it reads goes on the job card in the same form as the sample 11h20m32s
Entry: 1h47m00s
